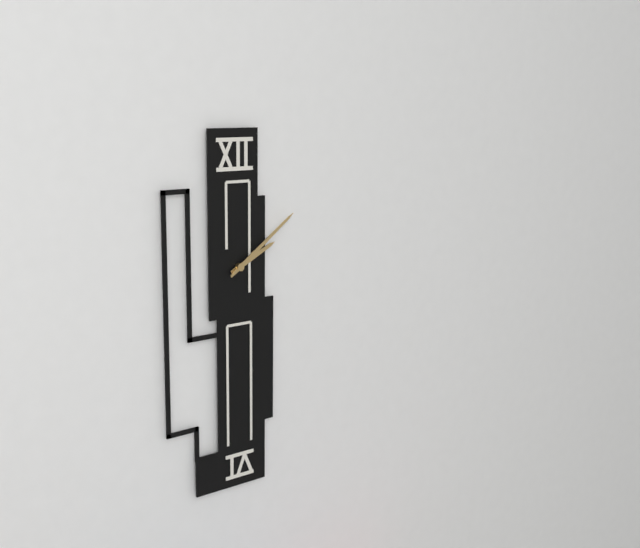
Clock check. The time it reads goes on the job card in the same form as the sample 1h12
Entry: 2h09
